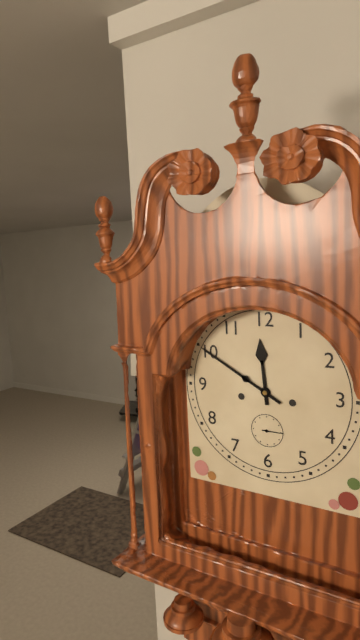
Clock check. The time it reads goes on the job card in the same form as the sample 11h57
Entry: 11h50
